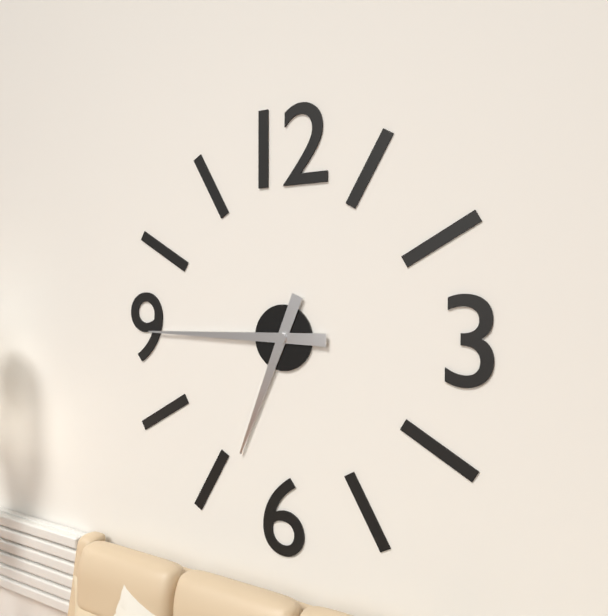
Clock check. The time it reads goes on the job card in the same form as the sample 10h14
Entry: 6h45
